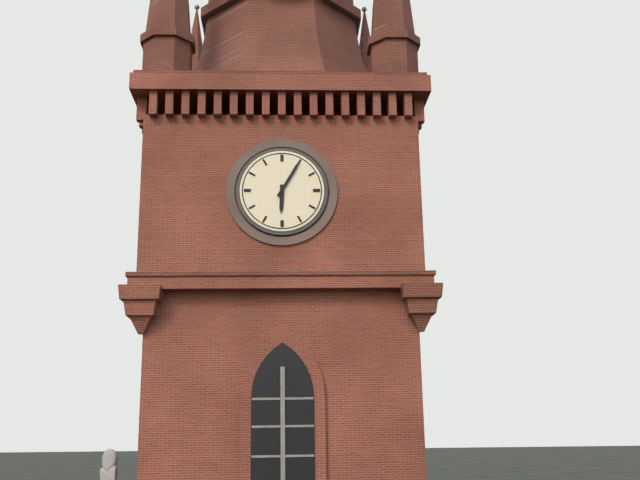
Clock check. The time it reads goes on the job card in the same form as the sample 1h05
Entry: 6h05
